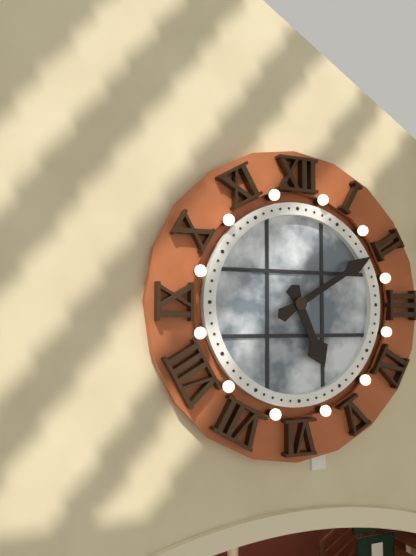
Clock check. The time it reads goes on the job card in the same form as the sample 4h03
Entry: 5h10
